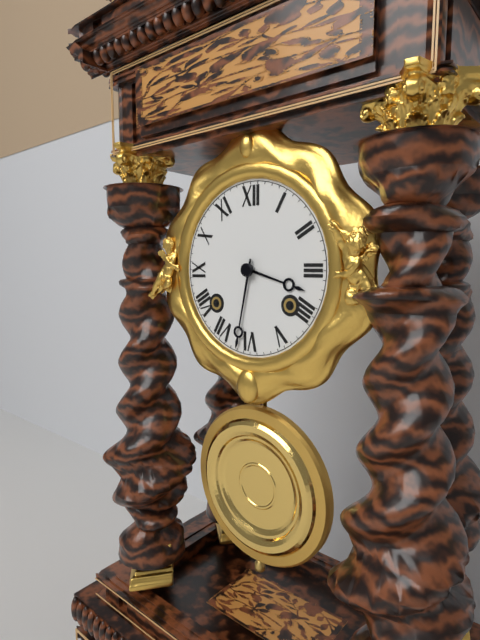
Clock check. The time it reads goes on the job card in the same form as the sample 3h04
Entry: 3h32
